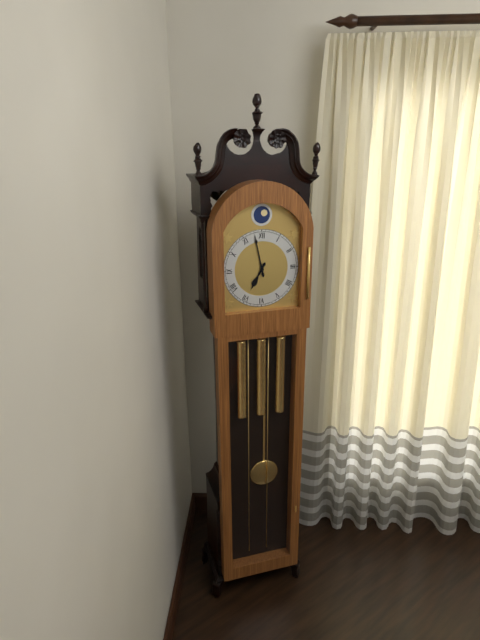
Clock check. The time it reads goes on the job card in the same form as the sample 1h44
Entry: 6h58
